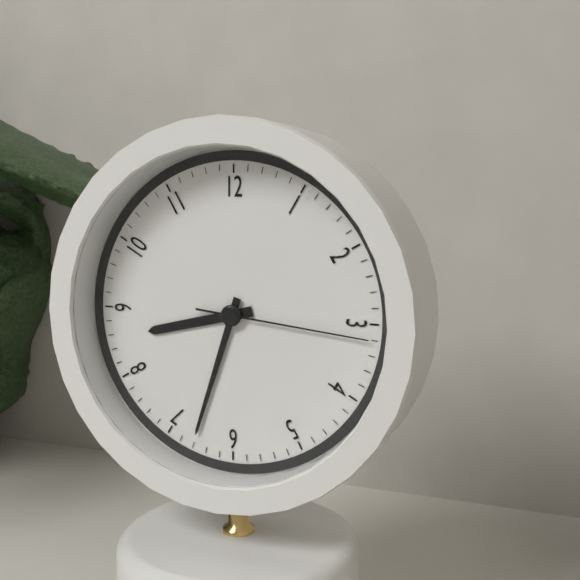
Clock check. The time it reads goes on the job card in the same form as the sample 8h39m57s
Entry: 8h33m16s
